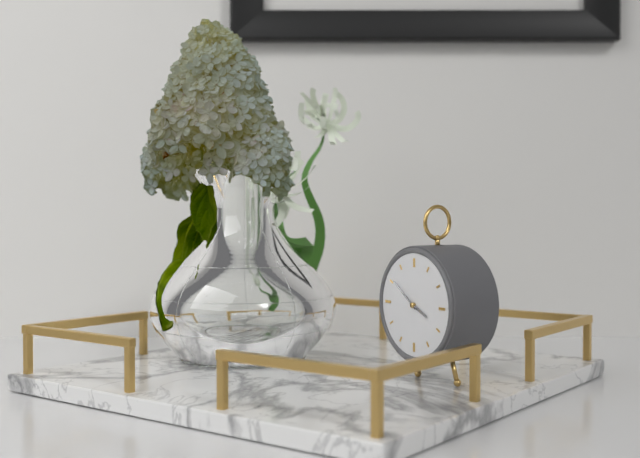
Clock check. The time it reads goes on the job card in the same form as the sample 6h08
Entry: 3h51
